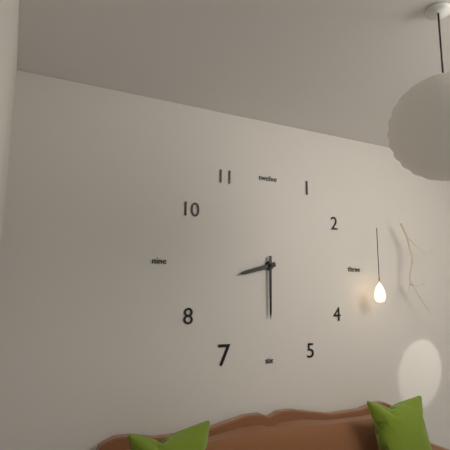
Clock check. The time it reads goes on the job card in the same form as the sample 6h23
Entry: 8h30
